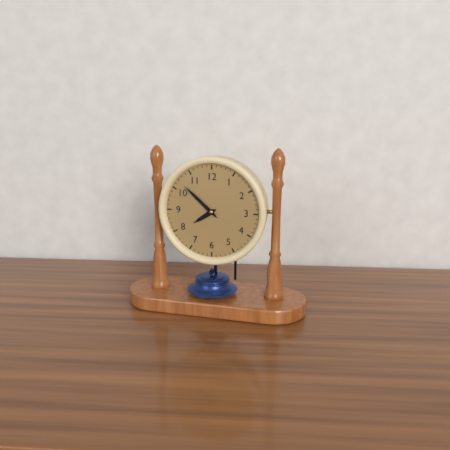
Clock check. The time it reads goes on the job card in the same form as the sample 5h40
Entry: 7h52
